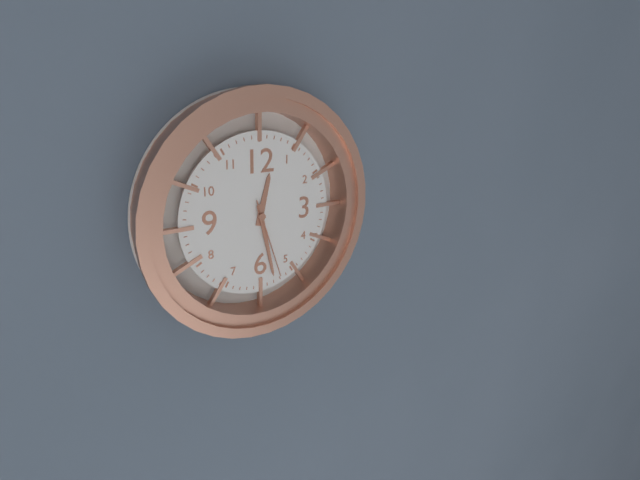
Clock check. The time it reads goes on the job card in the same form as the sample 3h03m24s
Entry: 12h28m27s
